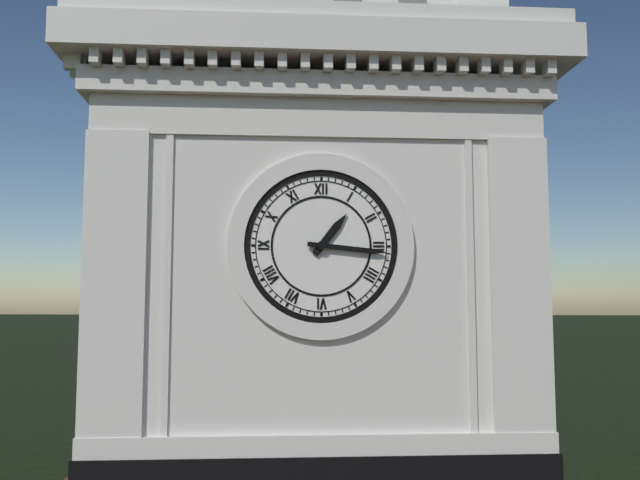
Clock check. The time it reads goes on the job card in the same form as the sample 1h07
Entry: 1h16
